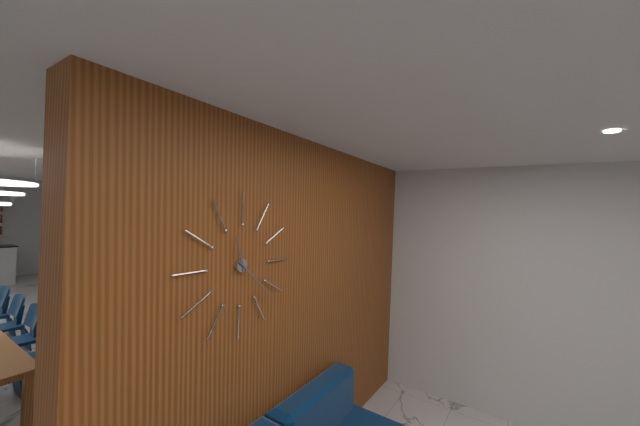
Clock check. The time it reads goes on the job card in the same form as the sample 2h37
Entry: 11h22
